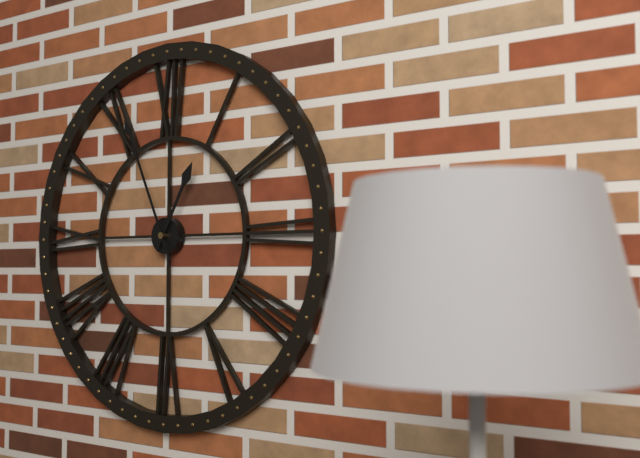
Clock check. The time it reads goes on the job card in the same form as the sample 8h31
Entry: 12h56
